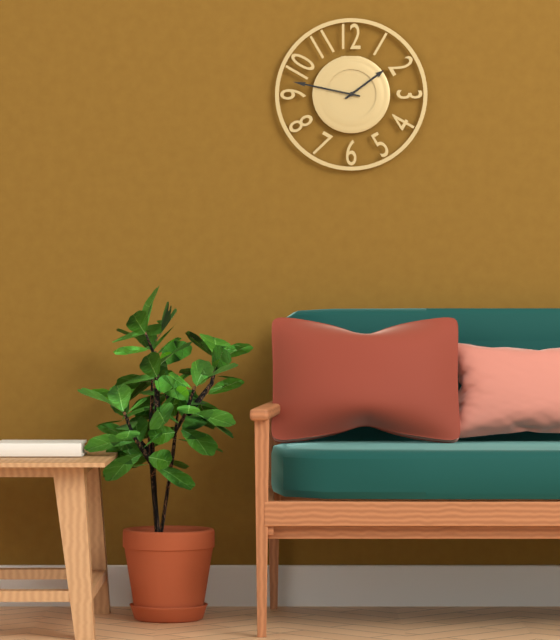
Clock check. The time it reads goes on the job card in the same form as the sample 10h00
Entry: 1h47
